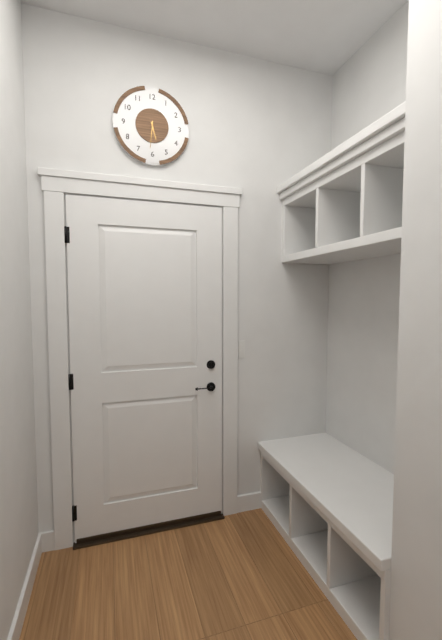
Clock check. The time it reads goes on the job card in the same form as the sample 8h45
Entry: 5h31
